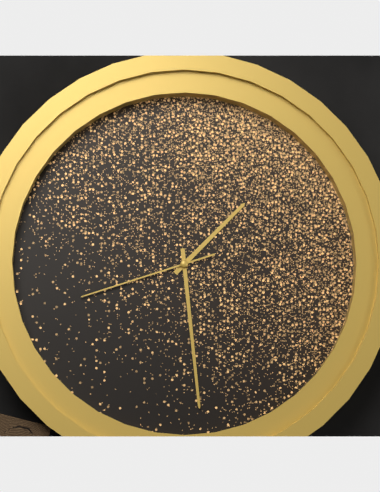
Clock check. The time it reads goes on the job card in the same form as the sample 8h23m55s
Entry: 1h29m42s
